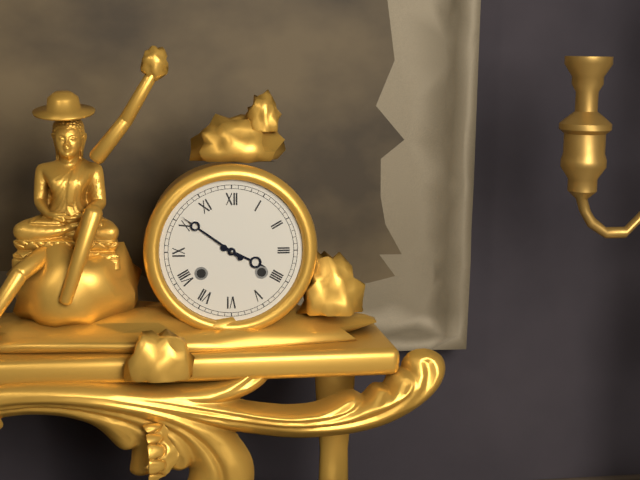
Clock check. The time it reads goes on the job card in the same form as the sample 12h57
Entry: 3h51
